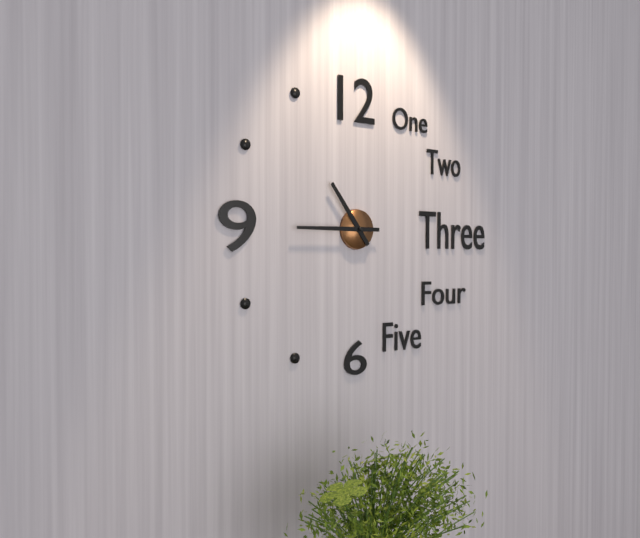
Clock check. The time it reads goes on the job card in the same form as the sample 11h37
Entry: 10h45
